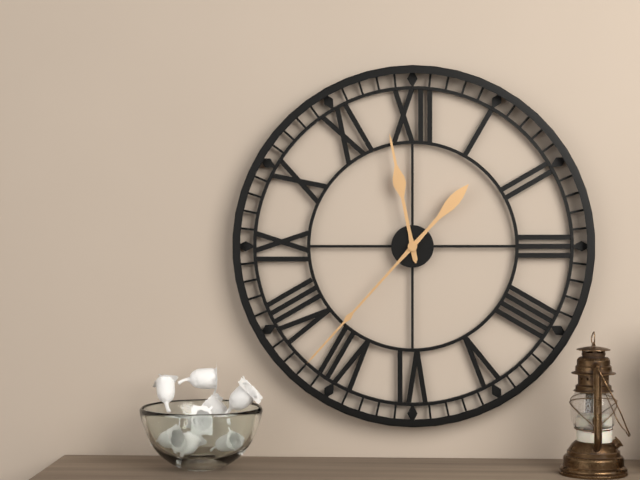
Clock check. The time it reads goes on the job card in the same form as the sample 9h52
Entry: 11h37
